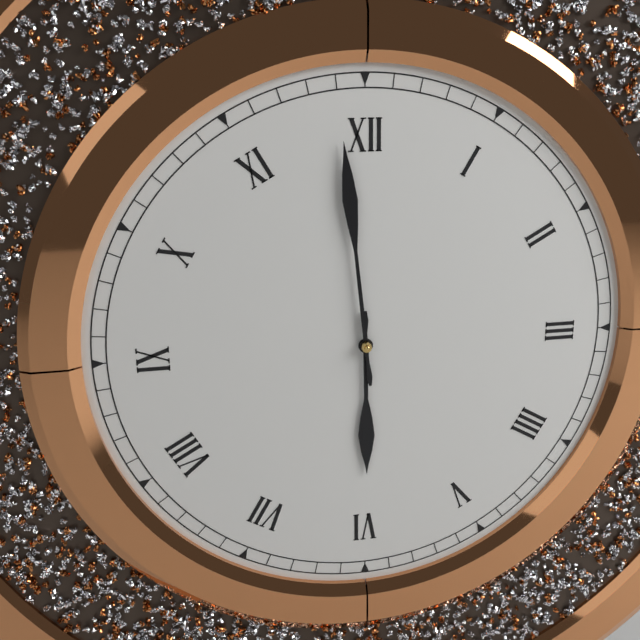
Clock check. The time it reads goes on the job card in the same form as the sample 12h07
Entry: 5h59
